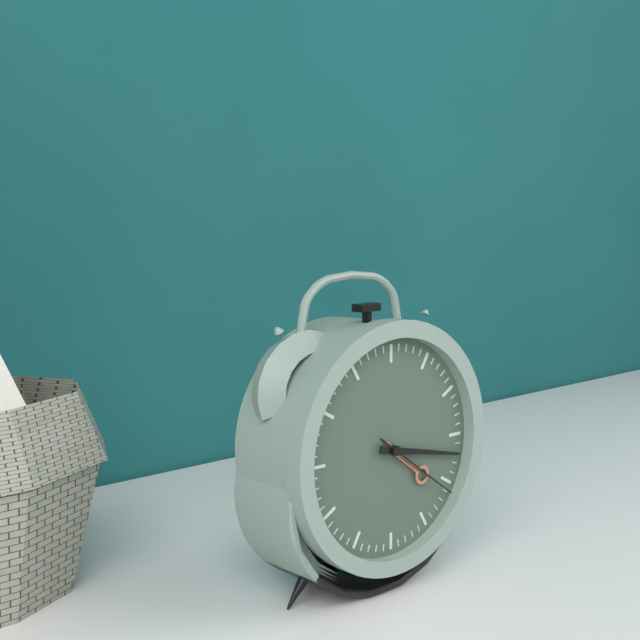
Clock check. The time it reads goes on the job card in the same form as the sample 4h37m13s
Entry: 4h17m21s
